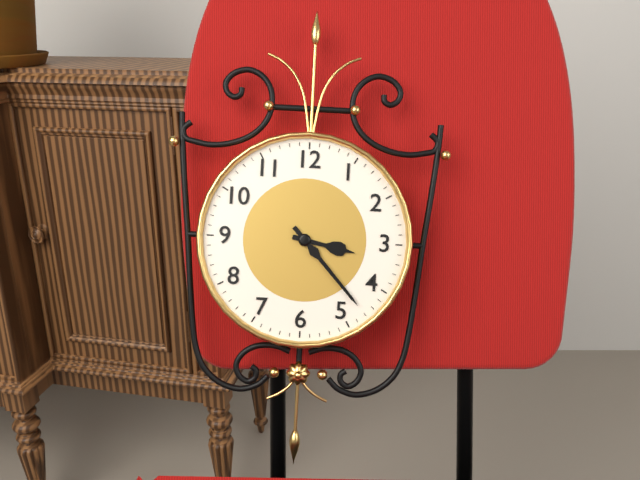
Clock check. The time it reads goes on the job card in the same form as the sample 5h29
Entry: 3h23
